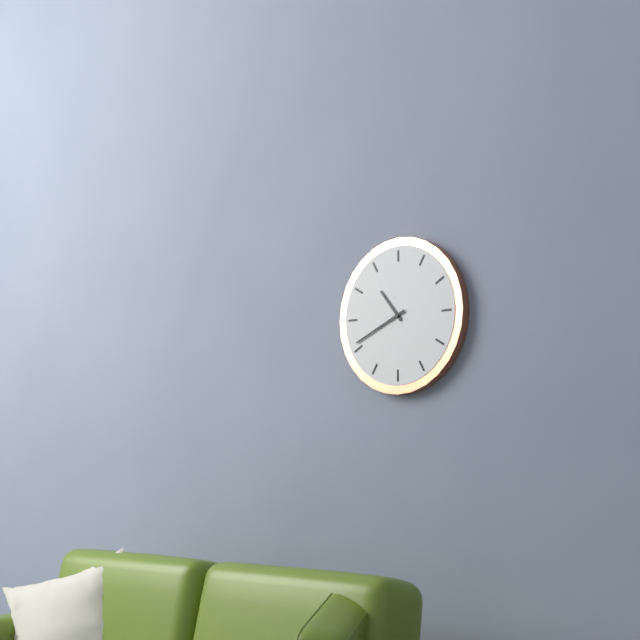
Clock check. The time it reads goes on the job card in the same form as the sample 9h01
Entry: 10h41
